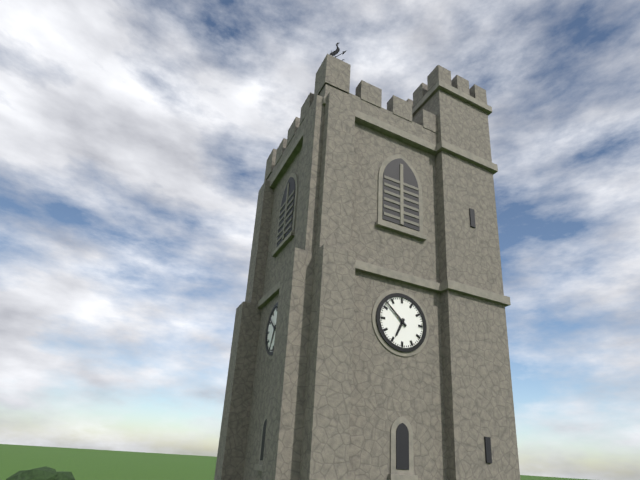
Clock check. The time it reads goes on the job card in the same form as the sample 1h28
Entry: 6h52
